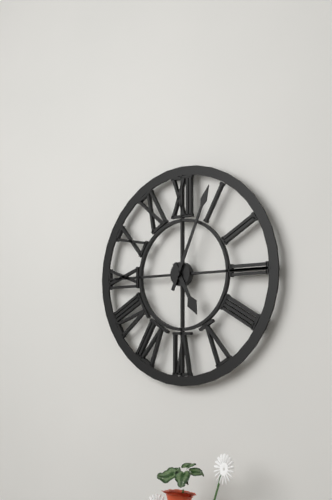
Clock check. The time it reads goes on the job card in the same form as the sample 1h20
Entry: 5h04
